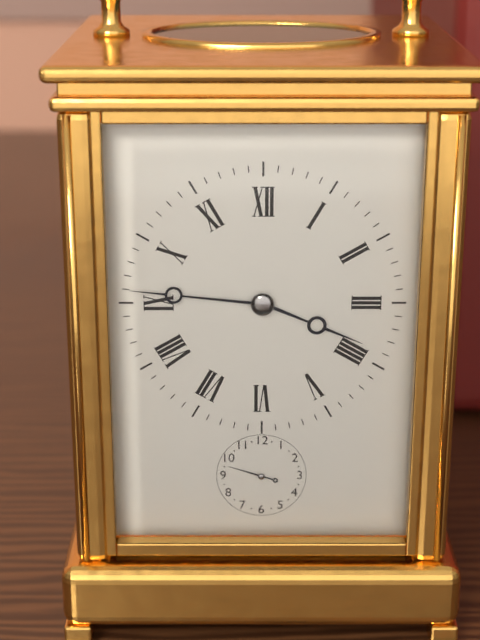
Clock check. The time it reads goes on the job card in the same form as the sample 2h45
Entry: 3h46
